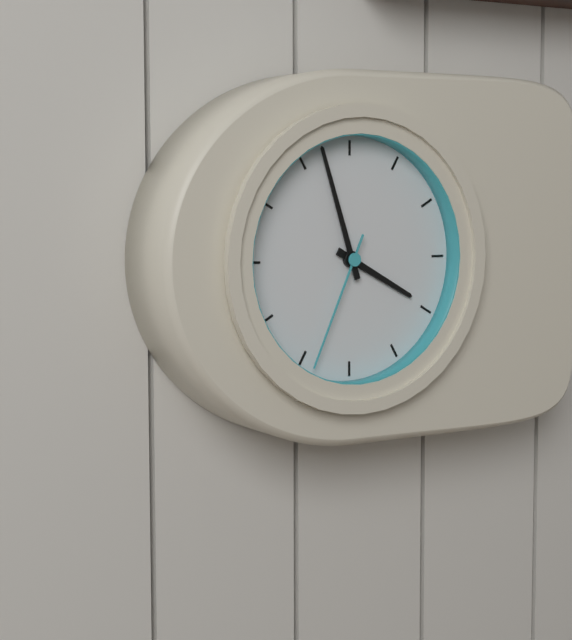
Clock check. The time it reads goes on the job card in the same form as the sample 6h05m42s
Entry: 3h57m34s
